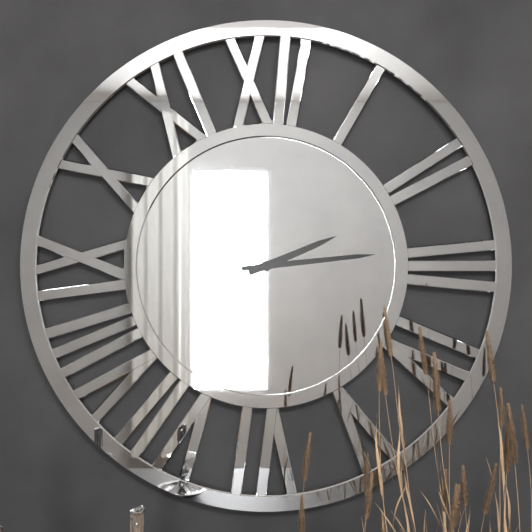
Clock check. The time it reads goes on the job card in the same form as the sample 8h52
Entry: 2h14
